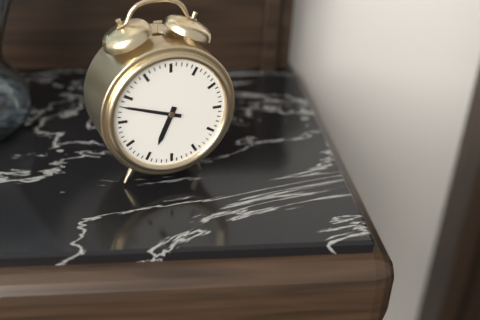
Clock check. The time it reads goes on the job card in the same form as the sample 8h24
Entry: 6h48
